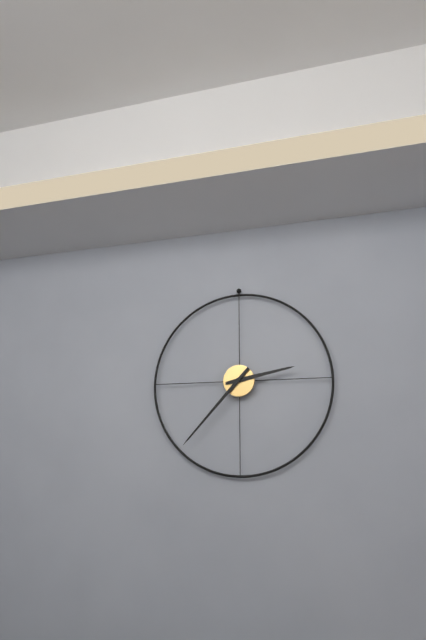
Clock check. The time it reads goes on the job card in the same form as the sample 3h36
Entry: 2h37
